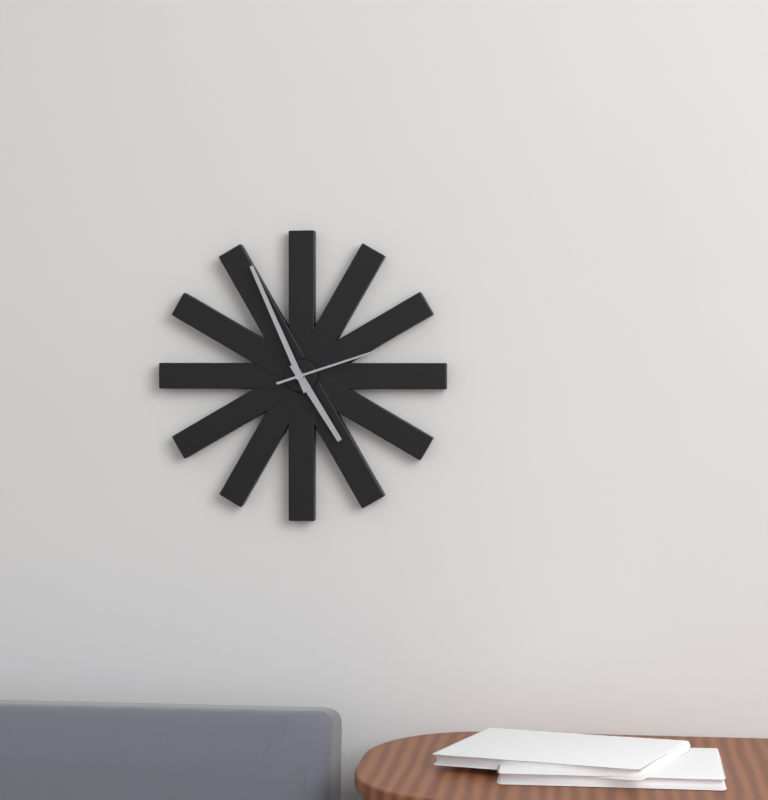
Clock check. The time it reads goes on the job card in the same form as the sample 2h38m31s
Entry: 4h56m12s
